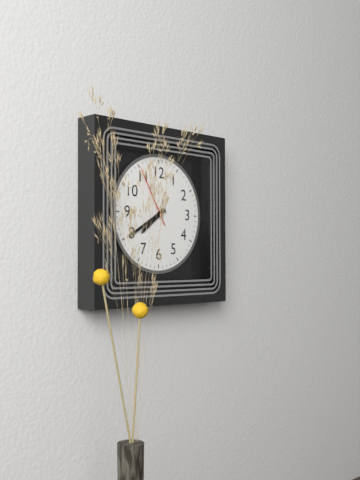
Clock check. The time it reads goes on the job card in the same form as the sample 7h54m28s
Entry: 7h40m55s
